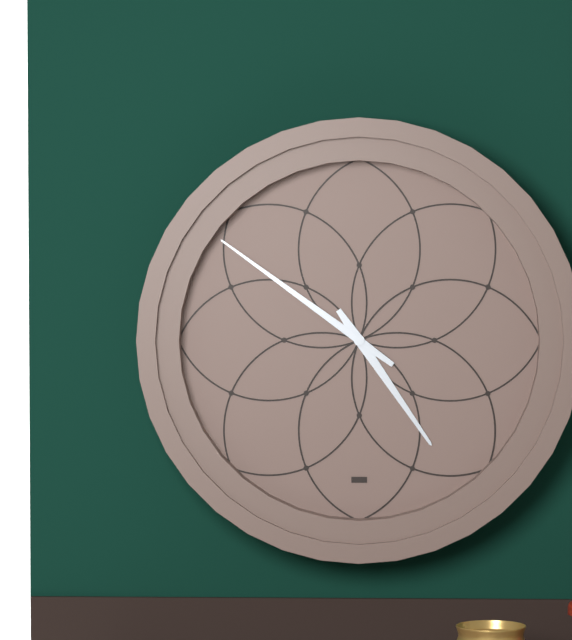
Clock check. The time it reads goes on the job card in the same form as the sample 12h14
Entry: 4h51
